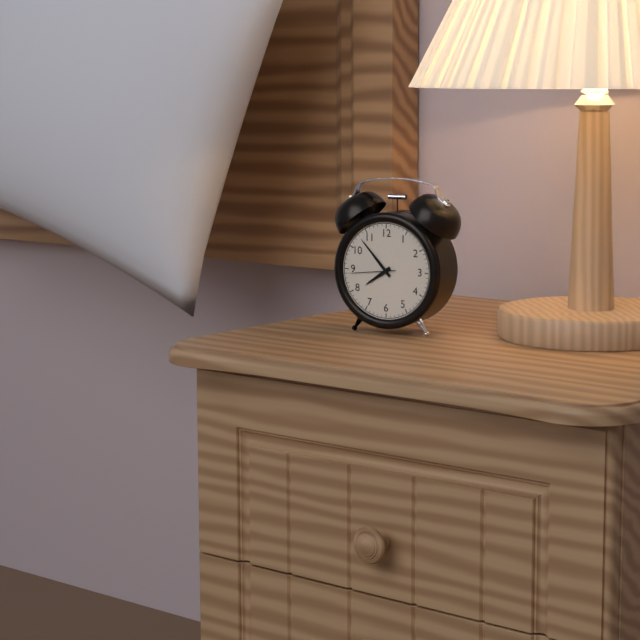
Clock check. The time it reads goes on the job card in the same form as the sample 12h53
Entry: 7h53
